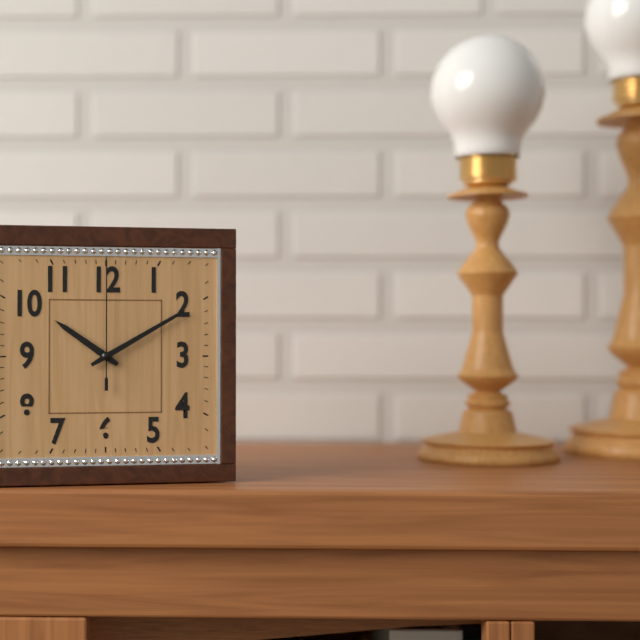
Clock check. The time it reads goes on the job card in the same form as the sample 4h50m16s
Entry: 10h10m00s
